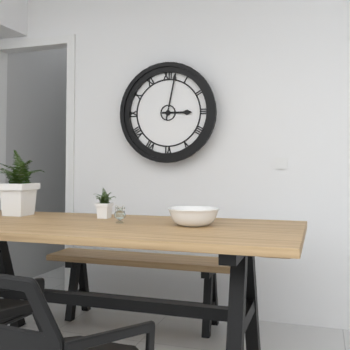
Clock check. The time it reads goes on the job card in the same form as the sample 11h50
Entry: 3h02
